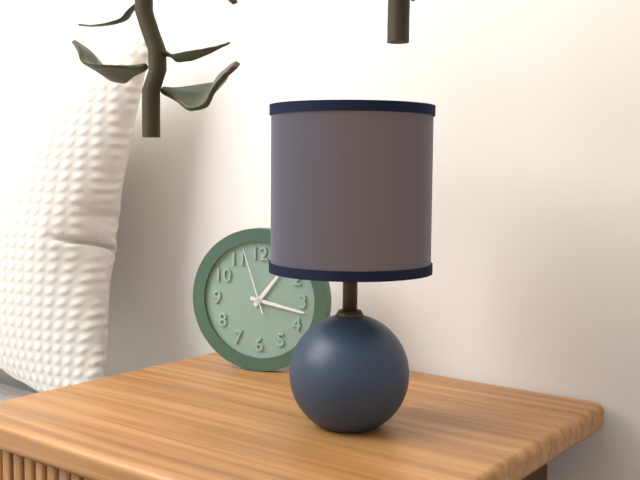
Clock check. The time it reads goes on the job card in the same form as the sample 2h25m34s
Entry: 1h17m57s
